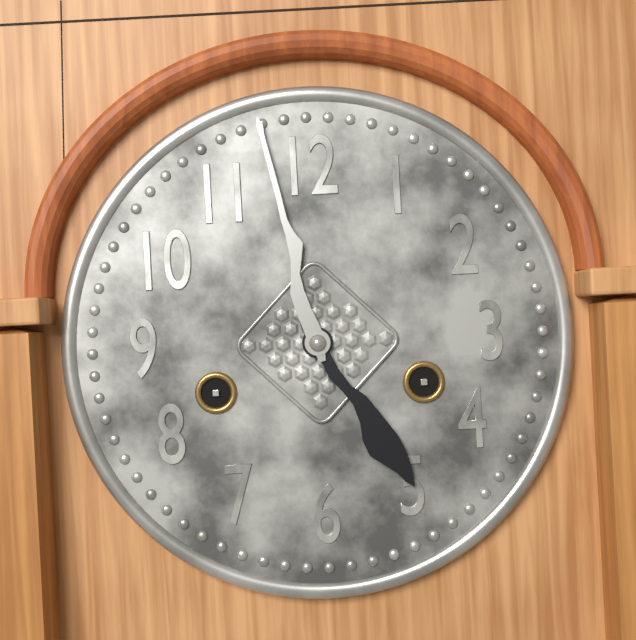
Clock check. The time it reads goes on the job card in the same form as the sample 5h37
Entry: 4h58
